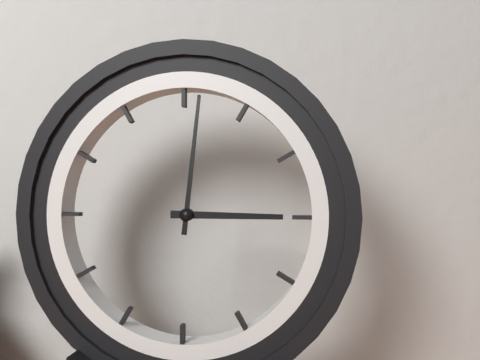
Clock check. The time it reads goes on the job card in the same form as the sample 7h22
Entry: 3h01
